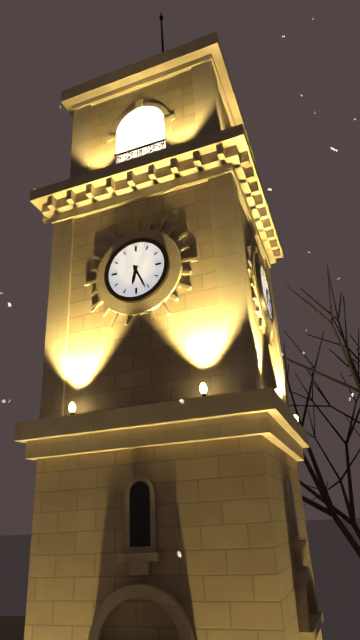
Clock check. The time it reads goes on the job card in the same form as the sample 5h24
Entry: 6h26
